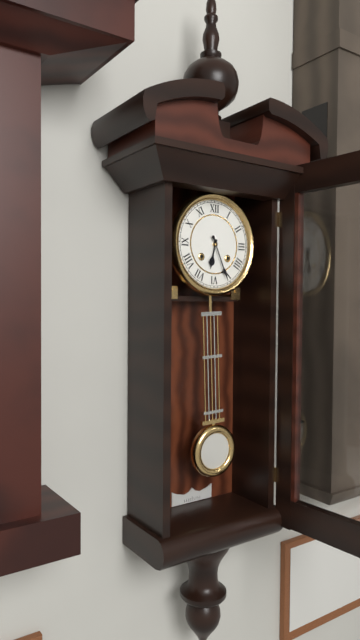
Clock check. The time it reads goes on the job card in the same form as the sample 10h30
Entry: 6h26
